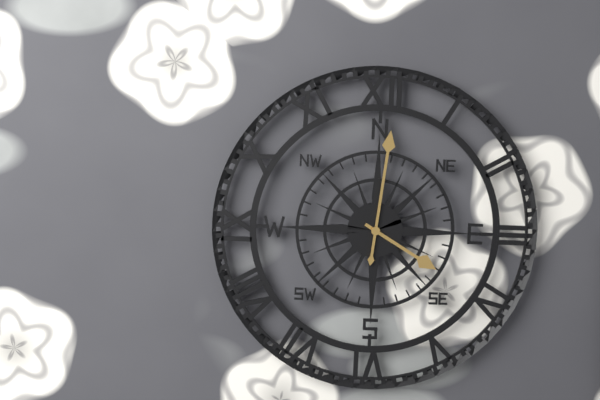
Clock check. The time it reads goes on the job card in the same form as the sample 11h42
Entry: 4h01
